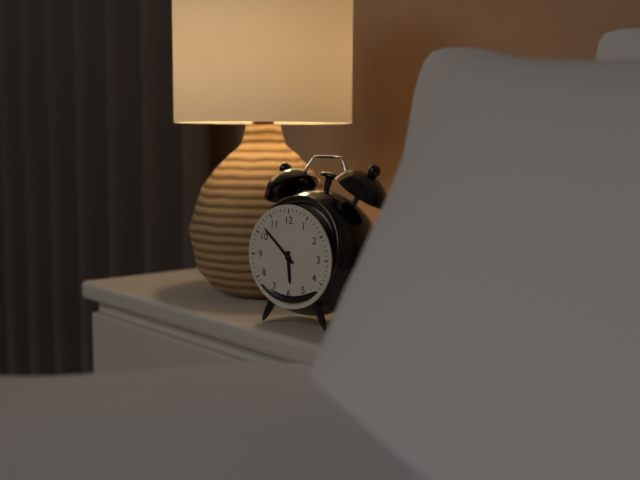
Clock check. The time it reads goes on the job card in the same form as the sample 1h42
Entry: 5h52
